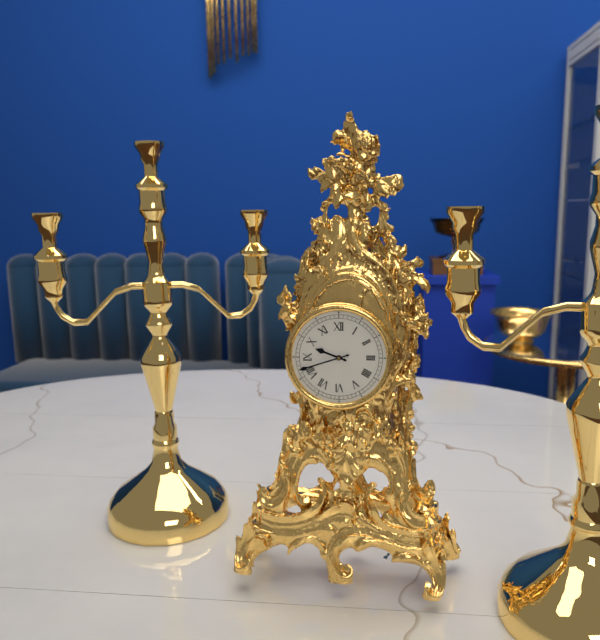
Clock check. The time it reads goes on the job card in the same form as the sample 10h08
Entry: 9h42
